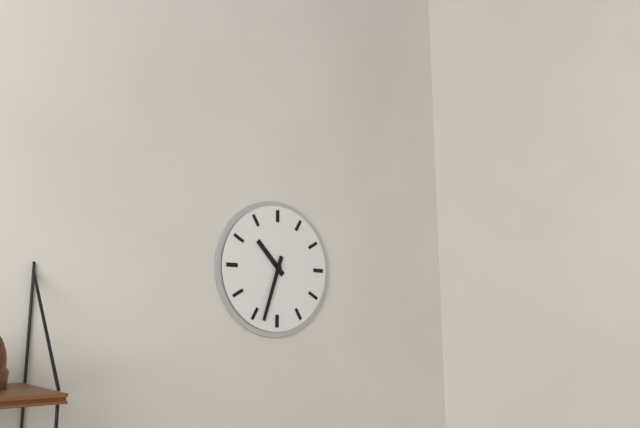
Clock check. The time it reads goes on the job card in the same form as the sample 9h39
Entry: 10h33
